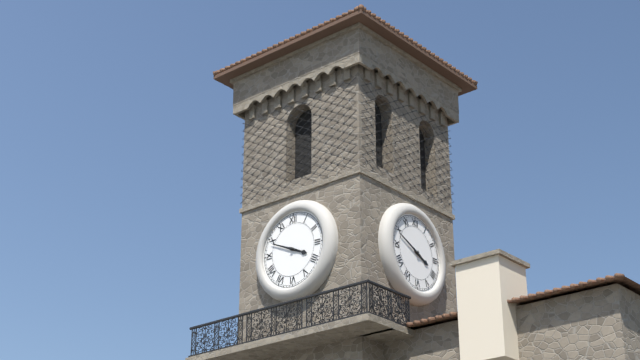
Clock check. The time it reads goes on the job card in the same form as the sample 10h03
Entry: 3h49
